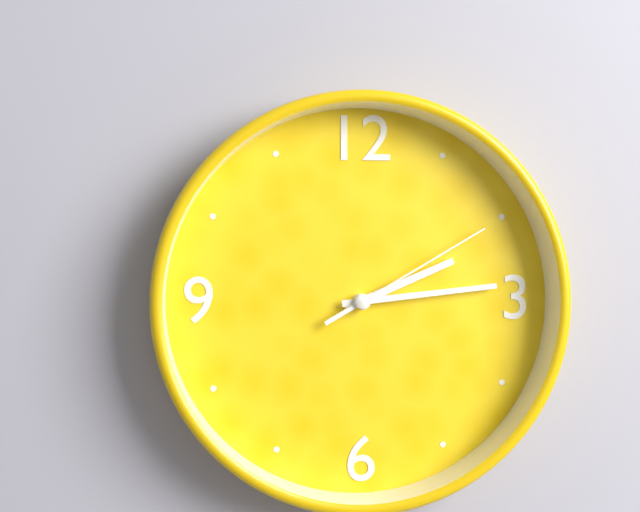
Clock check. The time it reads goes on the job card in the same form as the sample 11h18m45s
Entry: 2h14m10s
